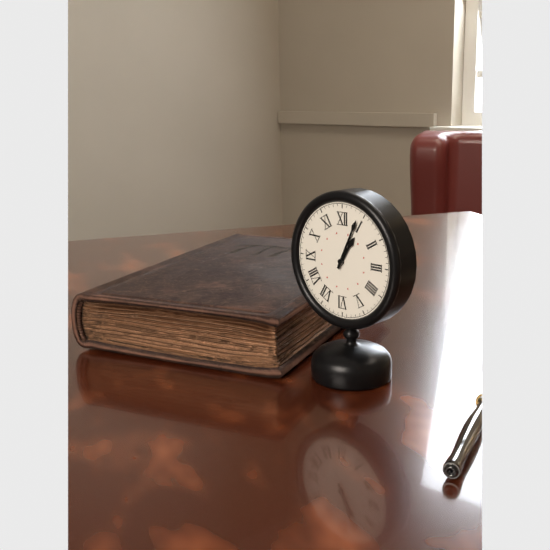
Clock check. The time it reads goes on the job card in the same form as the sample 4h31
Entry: 1h04
